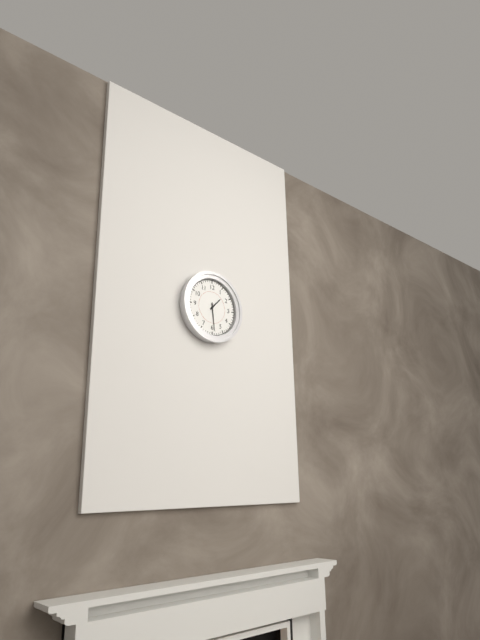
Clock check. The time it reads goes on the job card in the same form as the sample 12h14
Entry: 1h29
